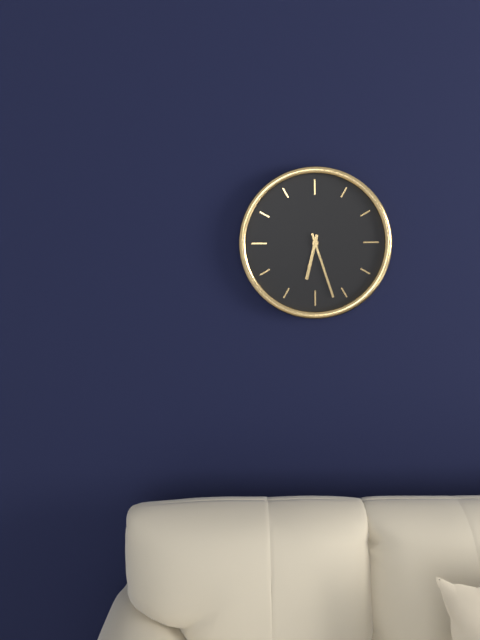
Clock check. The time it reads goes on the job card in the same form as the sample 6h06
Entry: 6h27
